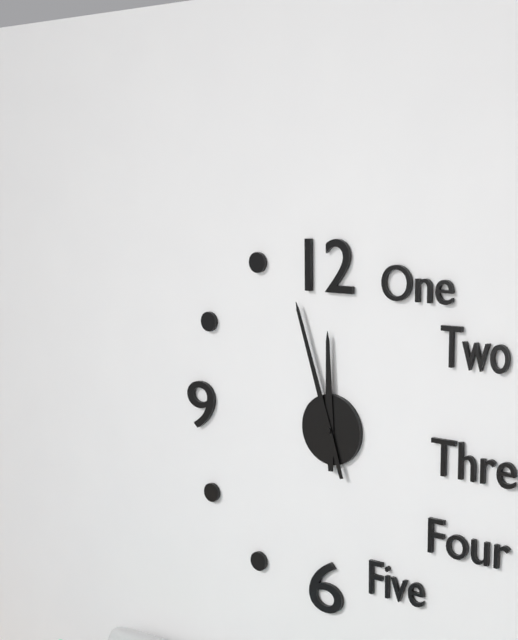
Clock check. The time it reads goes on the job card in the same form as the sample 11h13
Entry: 11h57
